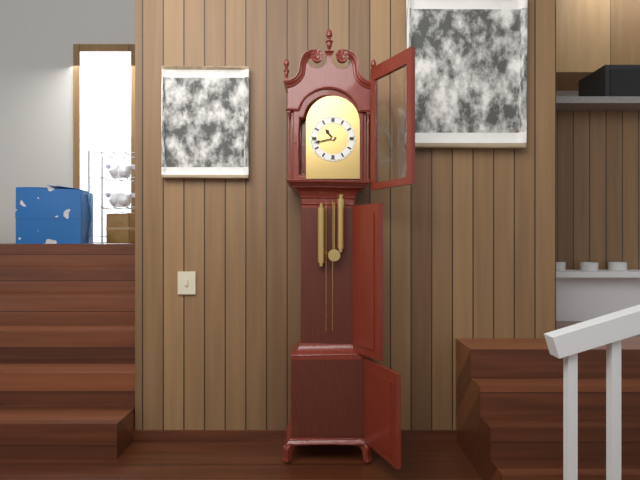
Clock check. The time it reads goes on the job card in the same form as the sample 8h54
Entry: 10h43
